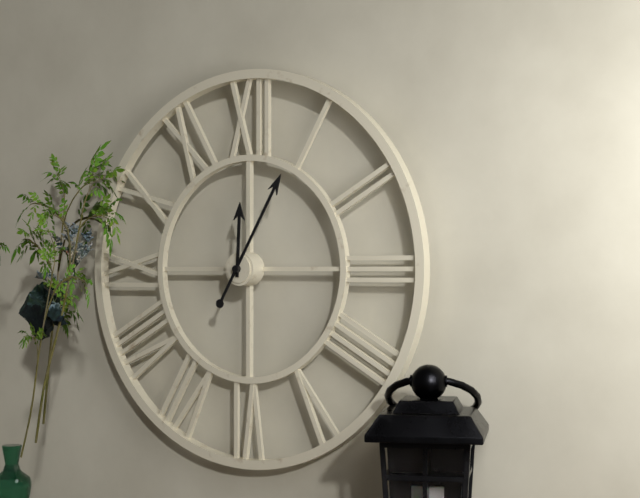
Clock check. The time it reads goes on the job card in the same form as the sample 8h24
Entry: 12h05
